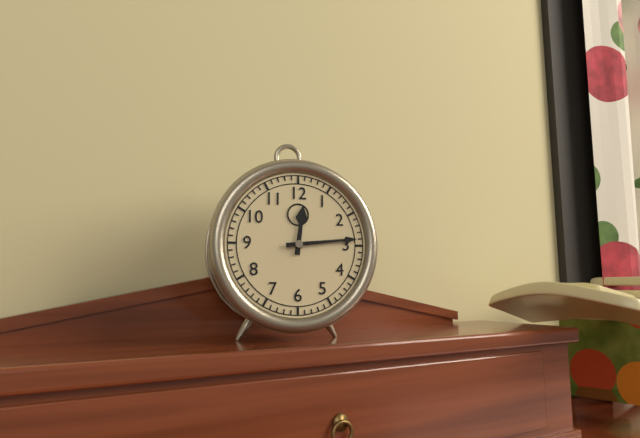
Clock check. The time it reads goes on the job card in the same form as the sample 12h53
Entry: 12h14
